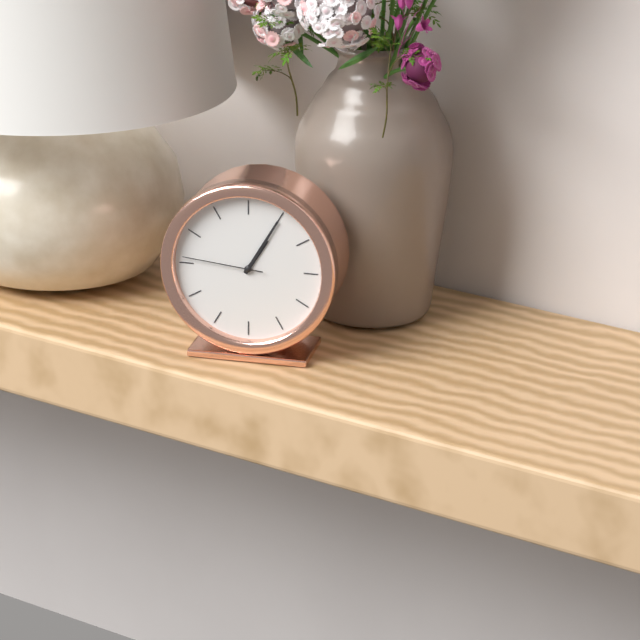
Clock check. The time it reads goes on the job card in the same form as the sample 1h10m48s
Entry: 1h05m46s
